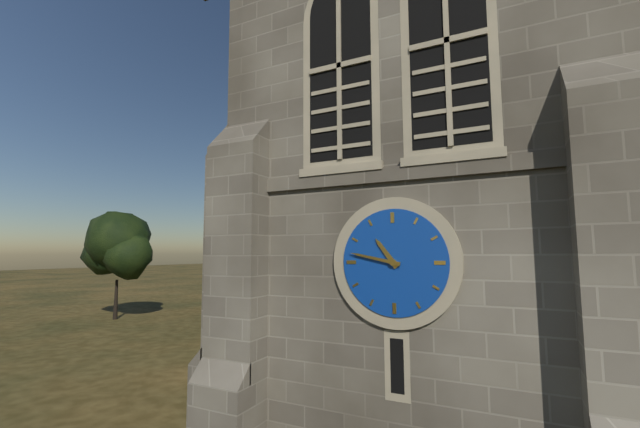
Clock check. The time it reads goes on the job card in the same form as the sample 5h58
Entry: 10h47
